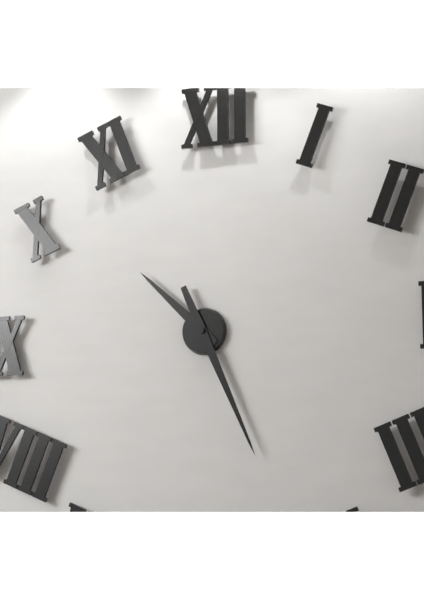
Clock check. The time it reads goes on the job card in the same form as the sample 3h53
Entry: 10h26
